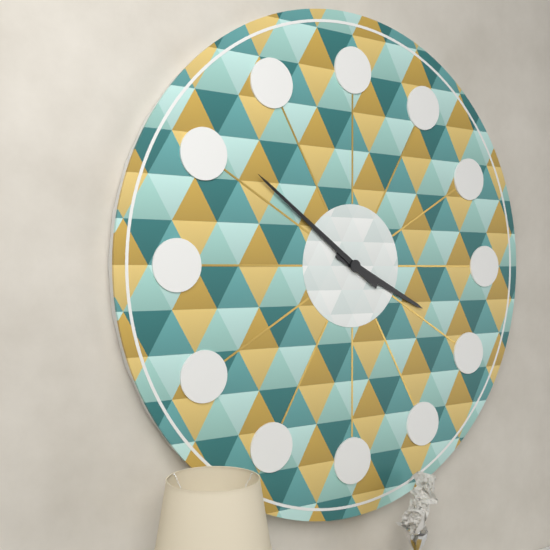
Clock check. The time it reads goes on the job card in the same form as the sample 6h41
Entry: 3h51
